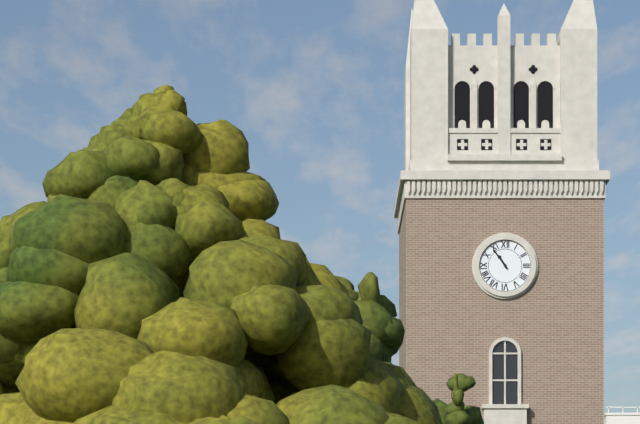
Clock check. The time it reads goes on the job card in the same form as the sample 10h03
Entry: 10h54
